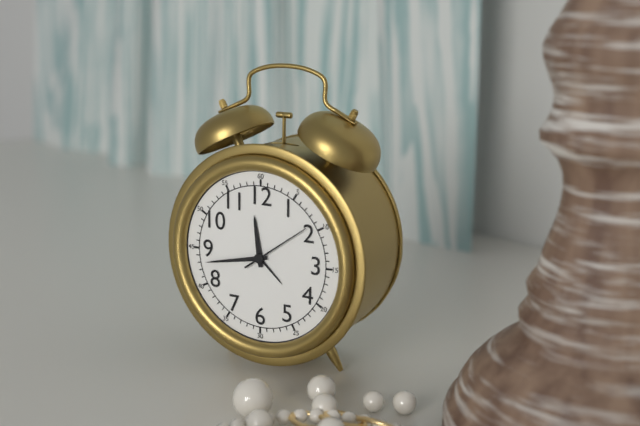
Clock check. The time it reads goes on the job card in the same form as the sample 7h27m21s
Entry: 11h43m09s
